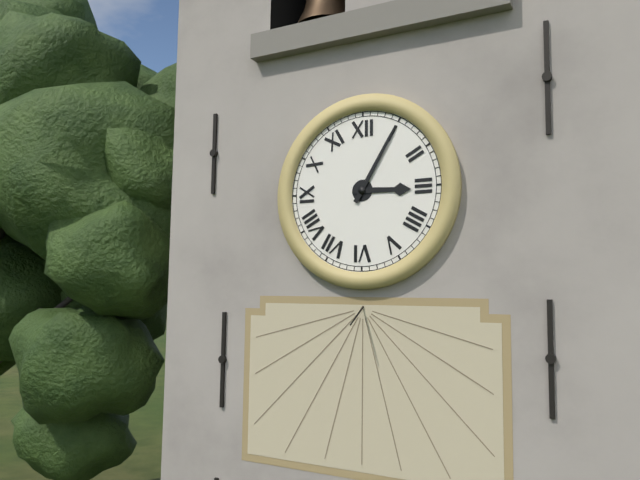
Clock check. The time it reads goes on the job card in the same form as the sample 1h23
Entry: 3h05
